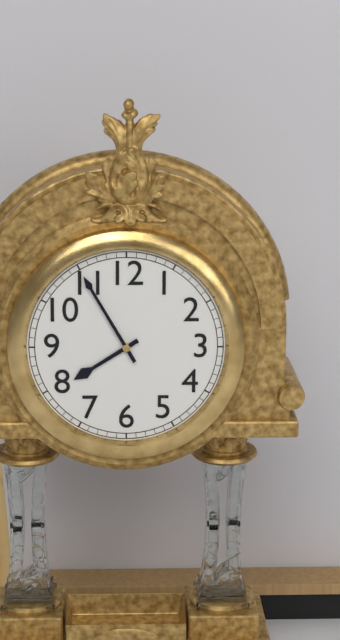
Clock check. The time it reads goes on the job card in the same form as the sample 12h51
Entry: 7h55
